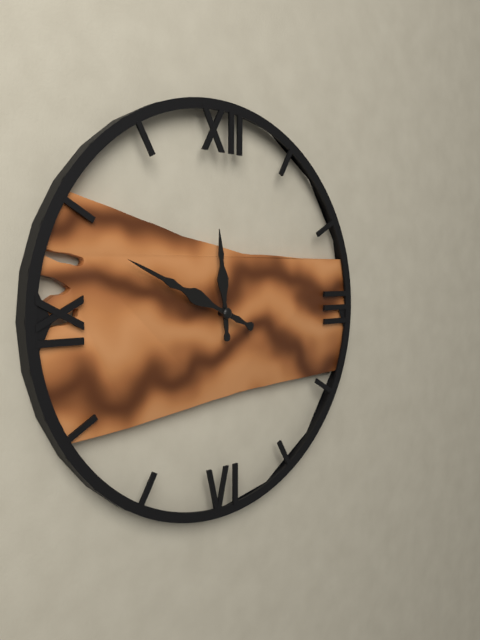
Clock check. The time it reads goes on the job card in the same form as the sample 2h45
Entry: 11h49
